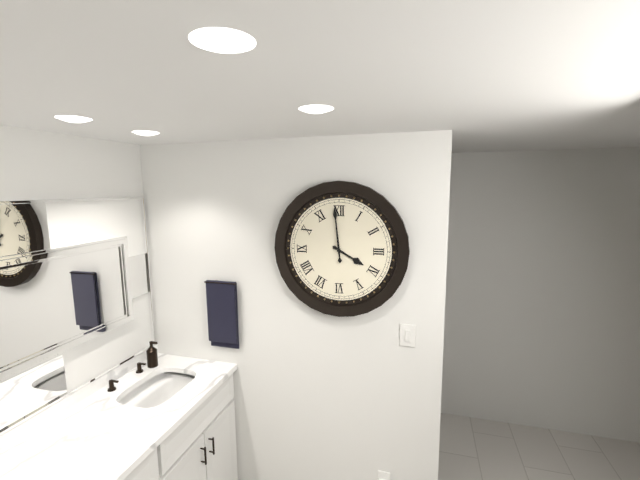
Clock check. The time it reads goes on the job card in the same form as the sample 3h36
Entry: 3h59
